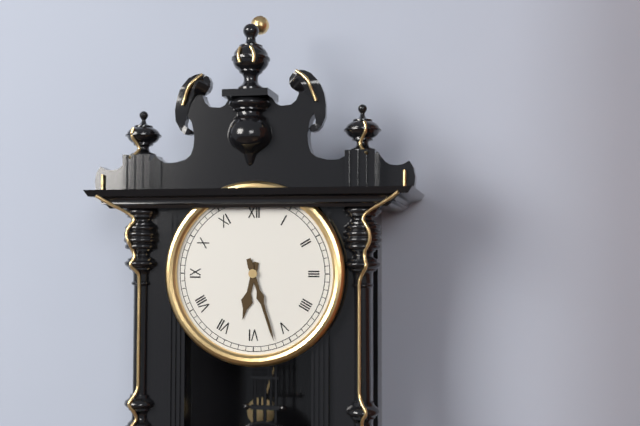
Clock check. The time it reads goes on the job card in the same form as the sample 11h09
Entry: 6h27
